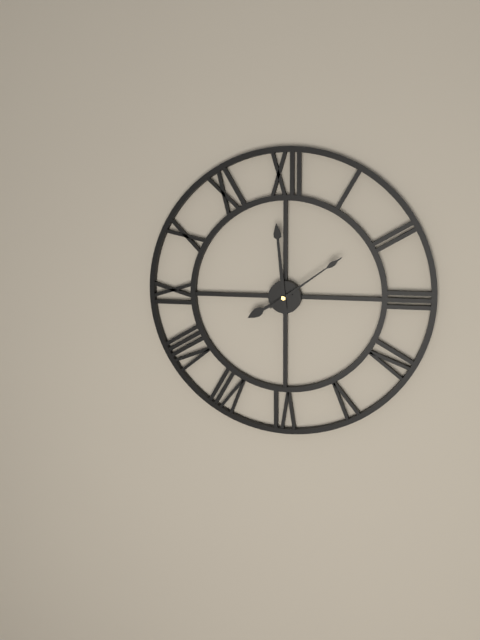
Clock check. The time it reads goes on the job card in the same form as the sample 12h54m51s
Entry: 7h59m09s
